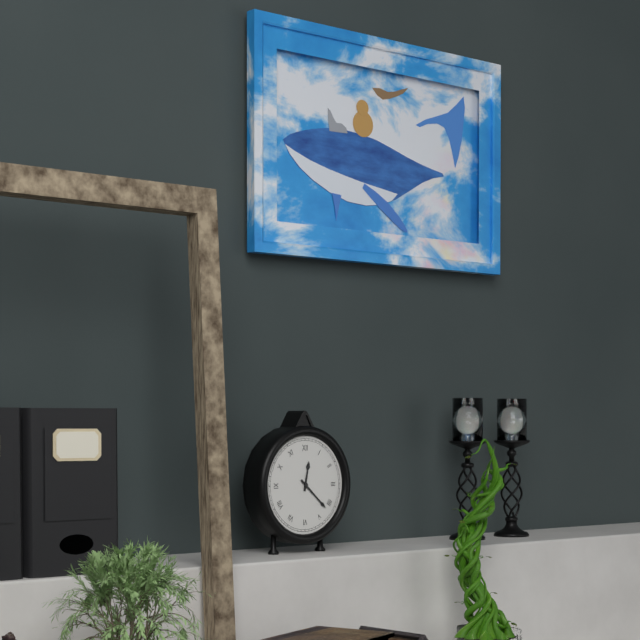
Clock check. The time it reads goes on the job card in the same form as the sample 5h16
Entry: 12h22
